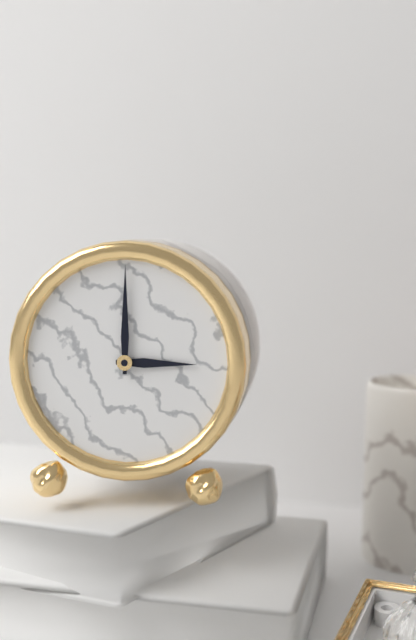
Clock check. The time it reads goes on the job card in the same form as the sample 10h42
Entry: 3h00
